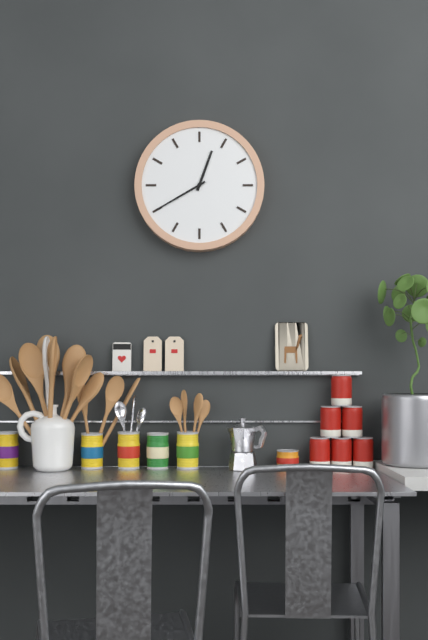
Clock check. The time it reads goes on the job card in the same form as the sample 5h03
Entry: 12h40
